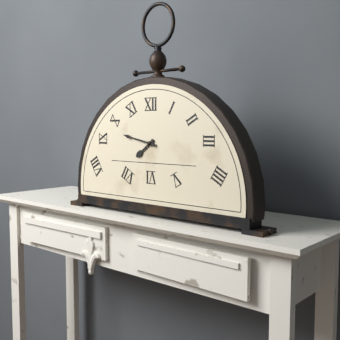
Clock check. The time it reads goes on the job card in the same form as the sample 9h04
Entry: 7h47
